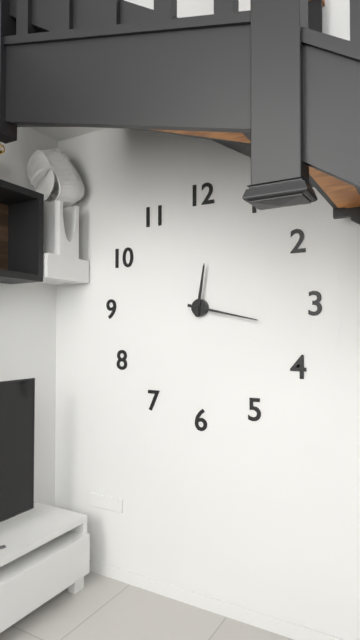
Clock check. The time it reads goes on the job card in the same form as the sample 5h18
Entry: 12h17
